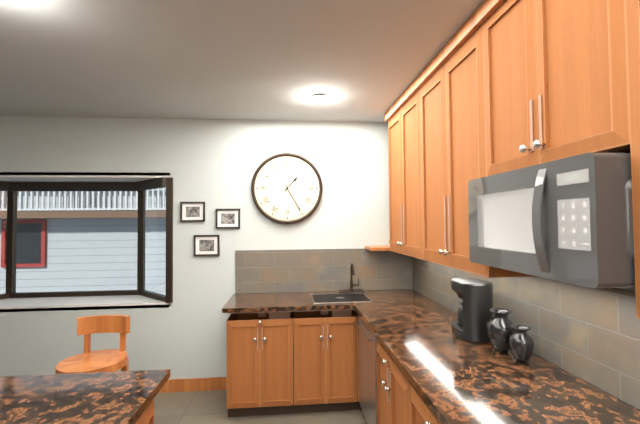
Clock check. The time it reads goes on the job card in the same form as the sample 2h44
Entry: 1h25
